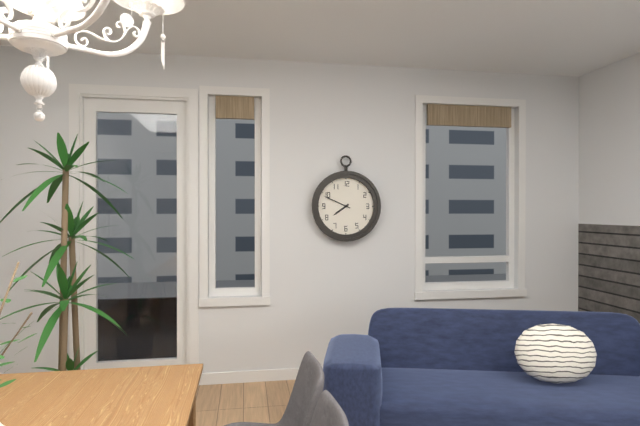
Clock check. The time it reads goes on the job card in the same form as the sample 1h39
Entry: 7h49
